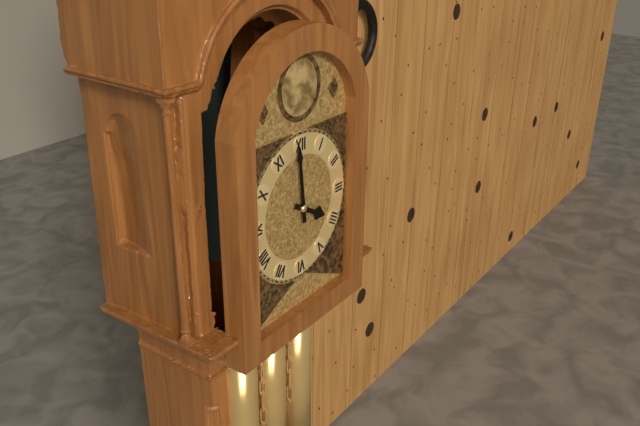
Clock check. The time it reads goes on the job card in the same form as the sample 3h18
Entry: 3h59
